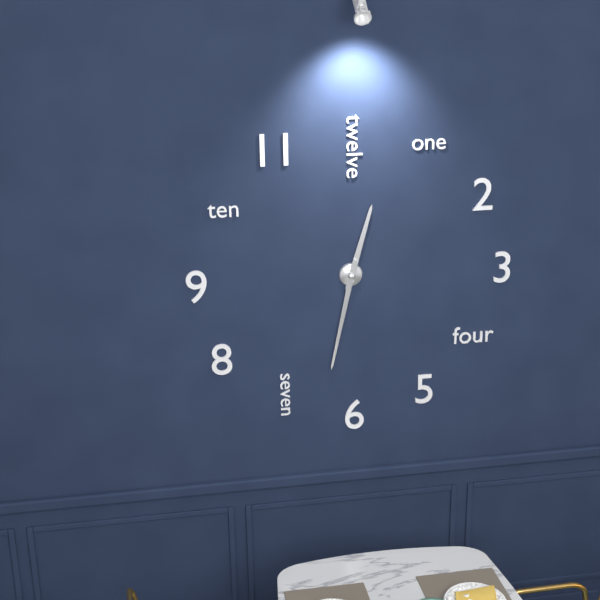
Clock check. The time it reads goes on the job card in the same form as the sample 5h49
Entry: 12h32
